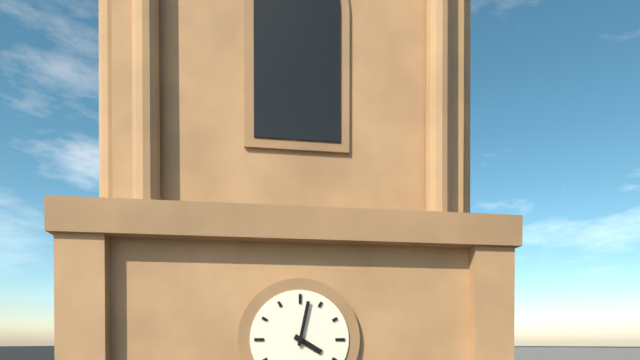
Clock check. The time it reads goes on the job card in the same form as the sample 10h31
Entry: 4h02
